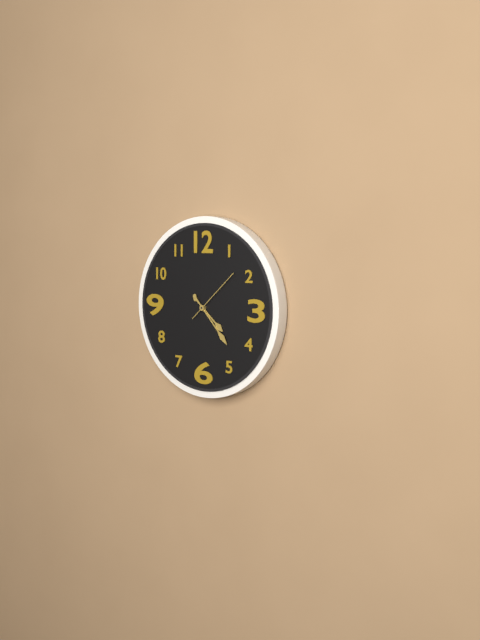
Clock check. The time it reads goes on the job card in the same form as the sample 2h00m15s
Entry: 4h23m08s
